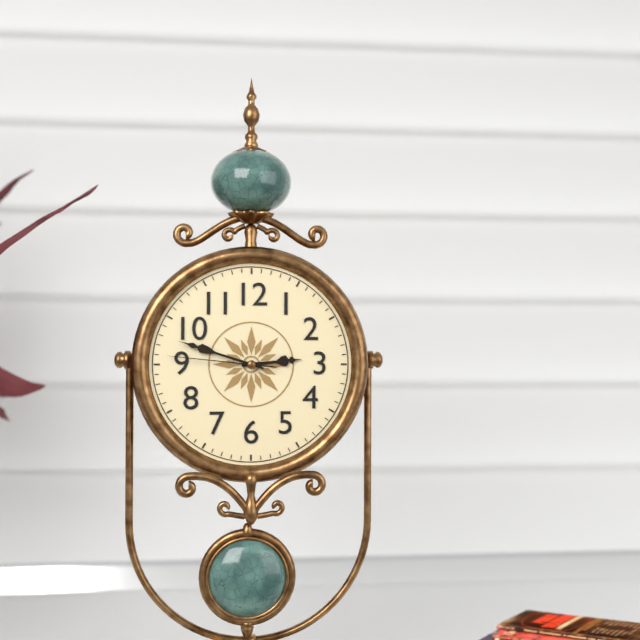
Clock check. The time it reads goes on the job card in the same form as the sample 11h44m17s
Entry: 2h48m46s
